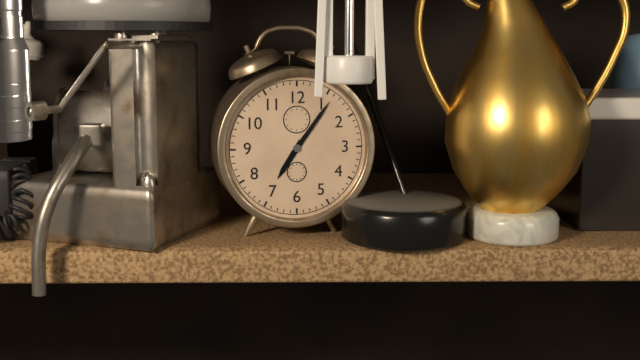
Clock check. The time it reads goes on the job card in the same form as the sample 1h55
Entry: 7h06
